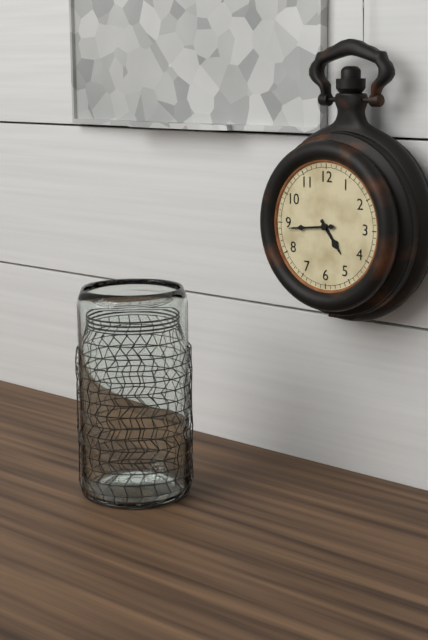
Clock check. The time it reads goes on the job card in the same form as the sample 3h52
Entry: 4h44
